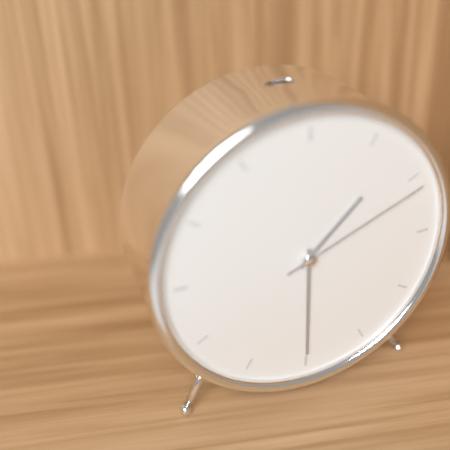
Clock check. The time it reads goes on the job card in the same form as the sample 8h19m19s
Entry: 1h30m11s
